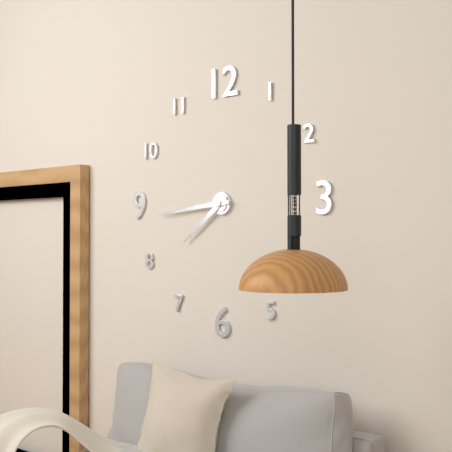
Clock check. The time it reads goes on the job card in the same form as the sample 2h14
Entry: 7h44
